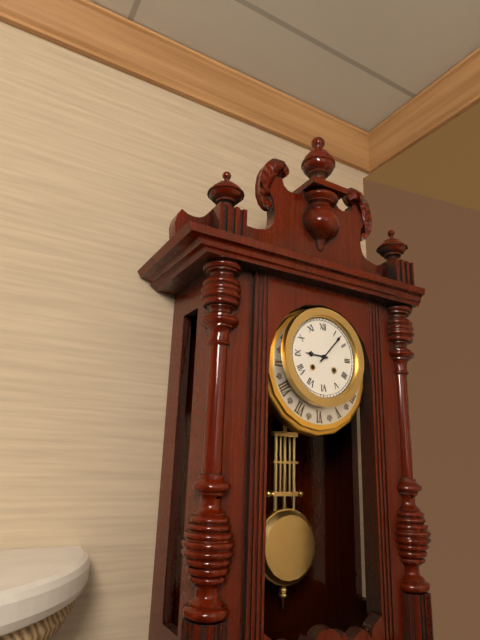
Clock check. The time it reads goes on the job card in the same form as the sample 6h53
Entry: 9h07
